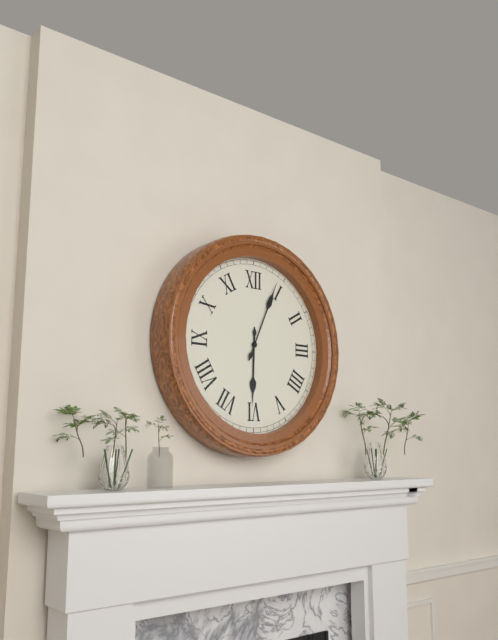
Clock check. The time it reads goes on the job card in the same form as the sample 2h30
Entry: 6h04
